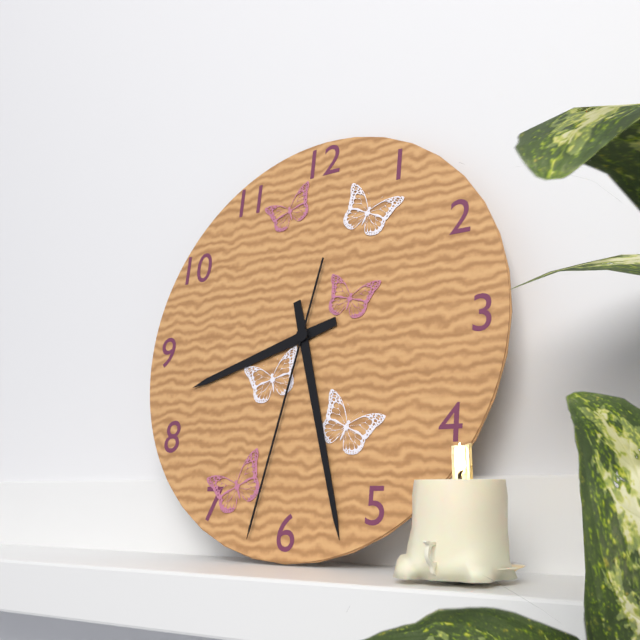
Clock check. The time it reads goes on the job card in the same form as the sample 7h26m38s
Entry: 8h27m32s
